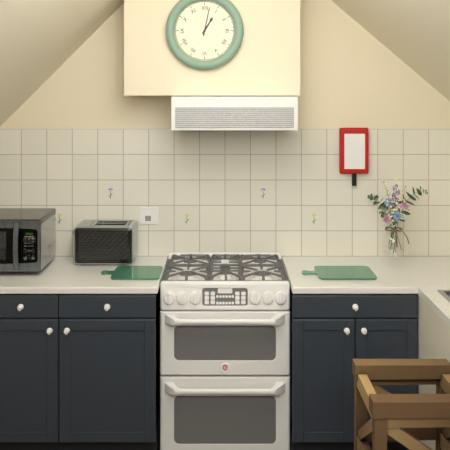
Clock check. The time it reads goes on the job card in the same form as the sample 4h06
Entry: 1h02
